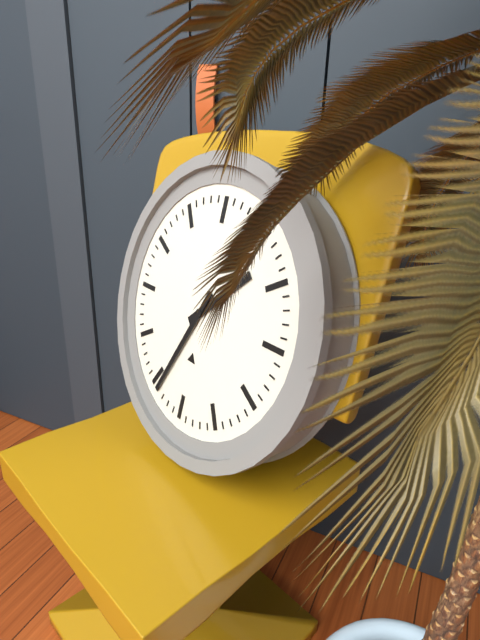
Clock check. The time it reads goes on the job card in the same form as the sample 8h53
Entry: 1h34
